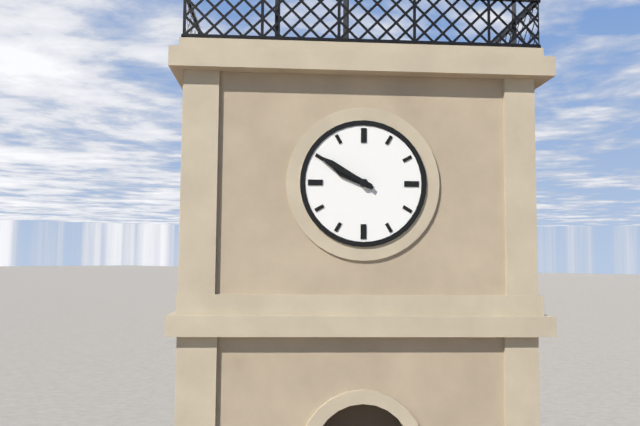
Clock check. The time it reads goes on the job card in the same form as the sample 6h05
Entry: 9h50
